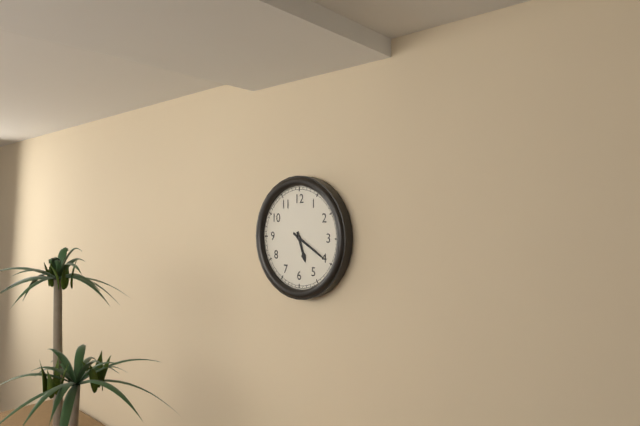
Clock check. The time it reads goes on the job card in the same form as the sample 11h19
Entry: 5h20
